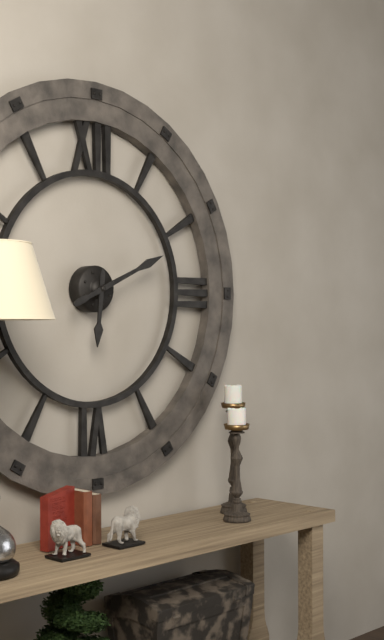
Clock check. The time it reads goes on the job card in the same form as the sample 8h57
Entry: 6h11
